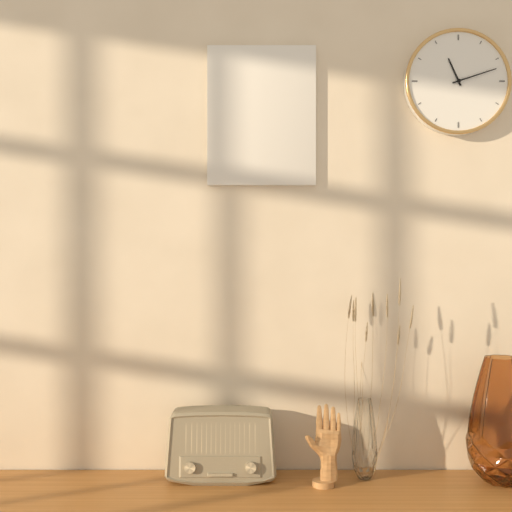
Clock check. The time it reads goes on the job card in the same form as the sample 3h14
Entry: 11h12
